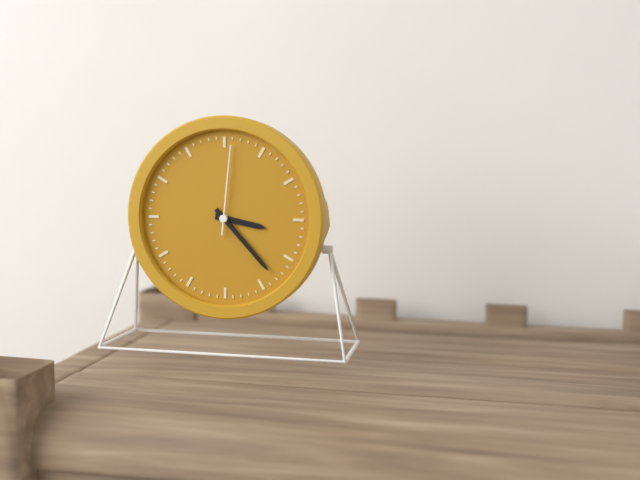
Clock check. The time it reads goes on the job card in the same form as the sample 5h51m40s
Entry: 3h23m01s
